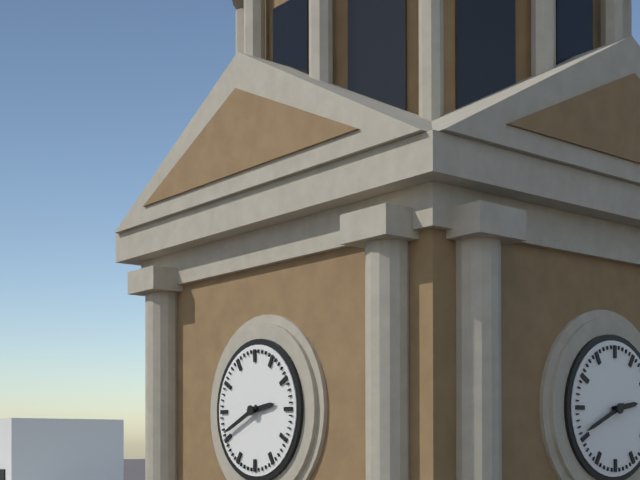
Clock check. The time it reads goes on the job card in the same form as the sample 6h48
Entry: 2h41
